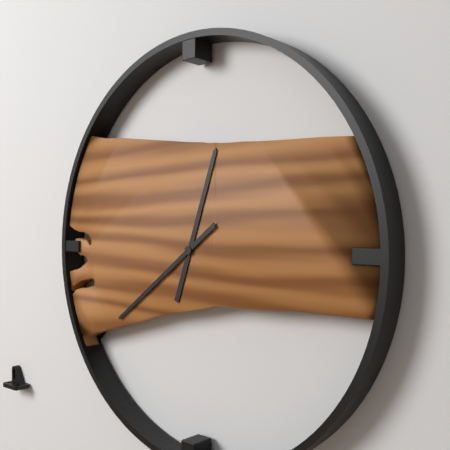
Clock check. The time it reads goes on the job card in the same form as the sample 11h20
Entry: 12h39
